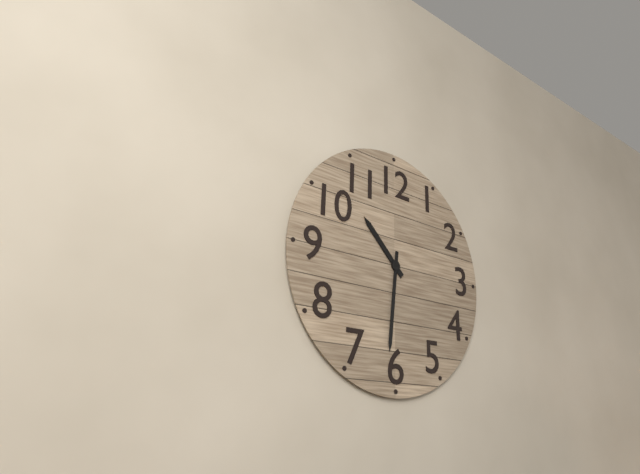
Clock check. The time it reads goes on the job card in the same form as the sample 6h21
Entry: 10h31
